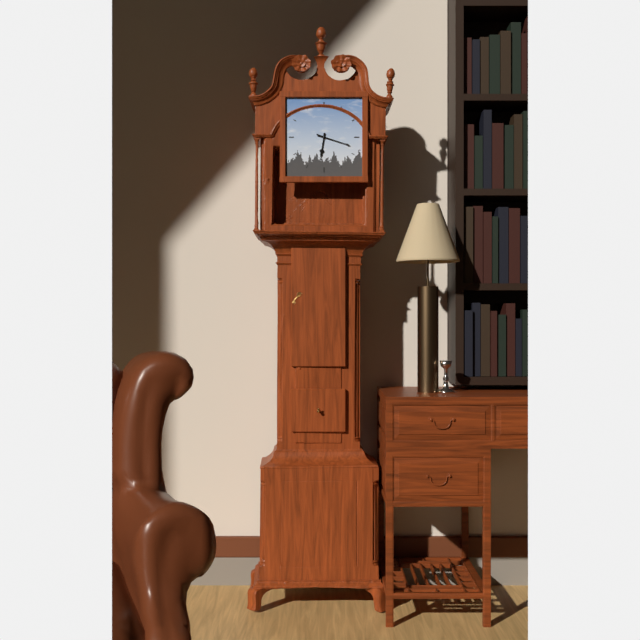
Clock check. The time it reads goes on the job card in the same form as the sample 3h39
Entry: 6h18
